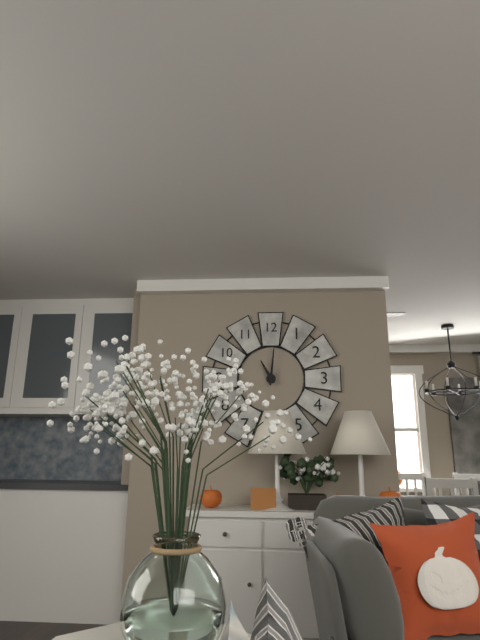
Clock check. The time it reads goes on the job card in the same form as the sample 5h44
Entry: 11h01
